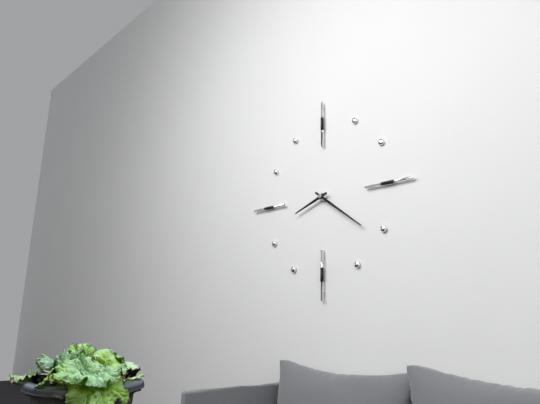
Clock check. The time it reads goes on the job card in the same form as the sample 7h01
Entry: 8h21
